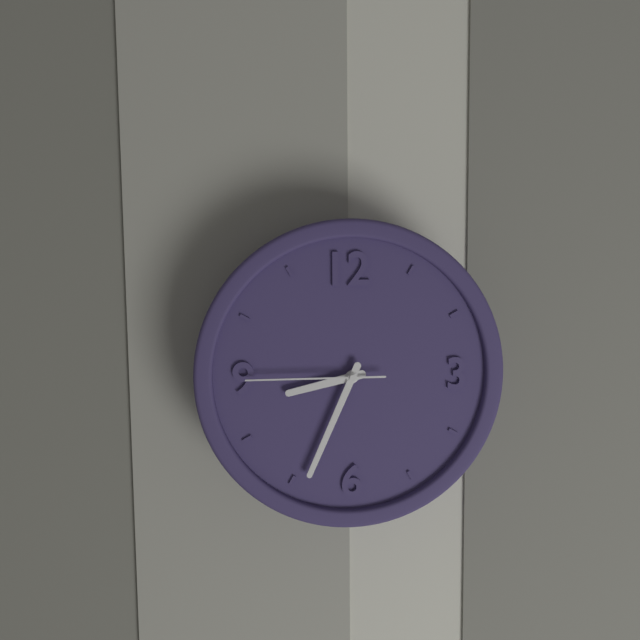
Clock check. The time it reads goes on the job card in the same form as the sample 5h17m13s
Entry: 8h34m45s
